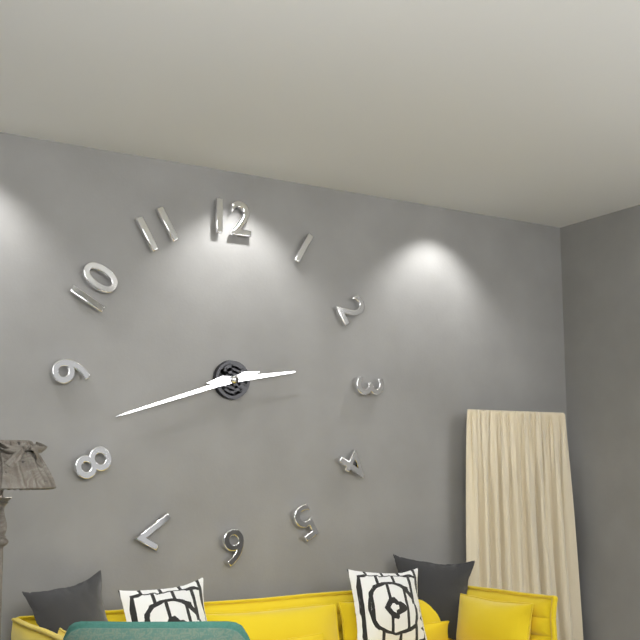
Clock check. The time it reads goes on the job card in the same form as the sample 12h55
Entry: 2h42
